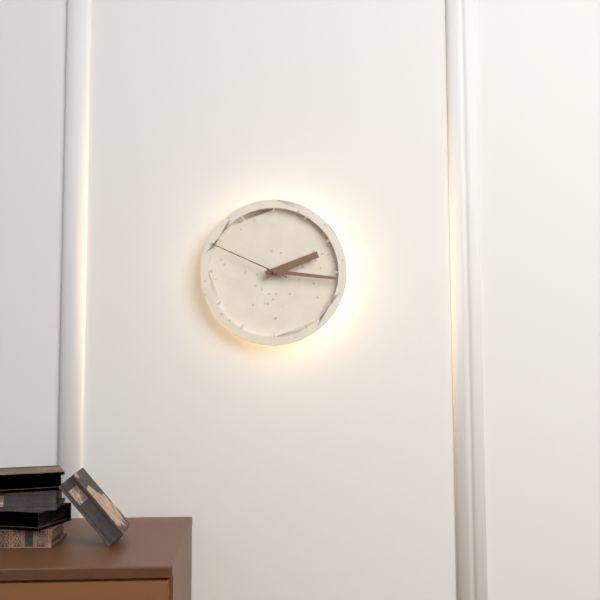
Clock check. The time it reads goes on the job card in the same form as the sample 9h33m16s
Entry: 2h16m49s
